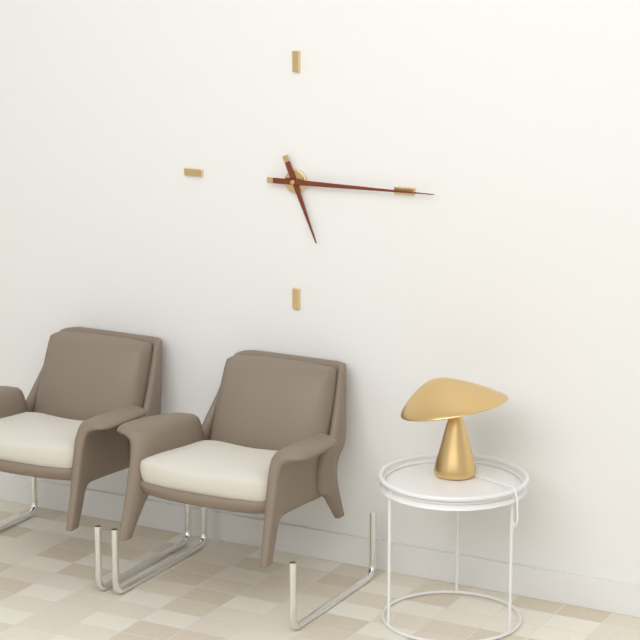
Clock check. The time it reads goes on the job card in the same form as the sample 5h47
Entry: 5h15
